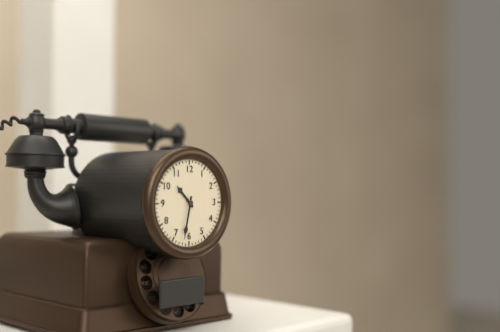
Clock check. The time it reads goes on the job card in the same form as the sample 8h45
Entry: 10h32
